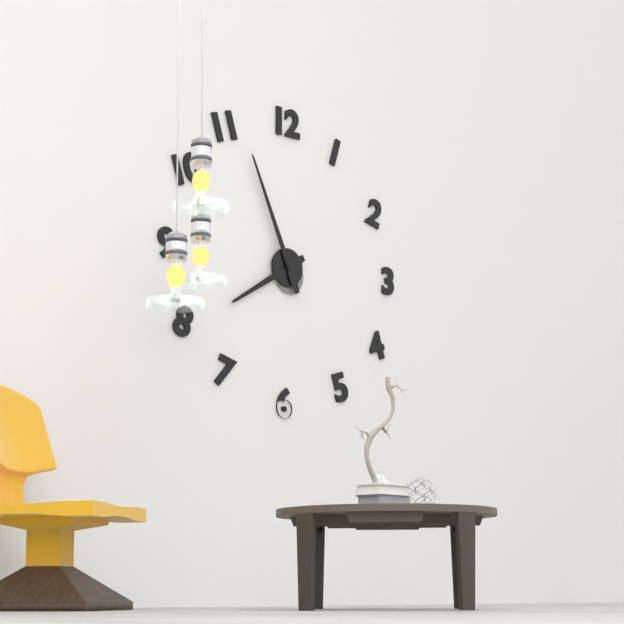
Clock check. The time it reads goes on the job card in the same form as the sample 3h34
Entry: 7h56
